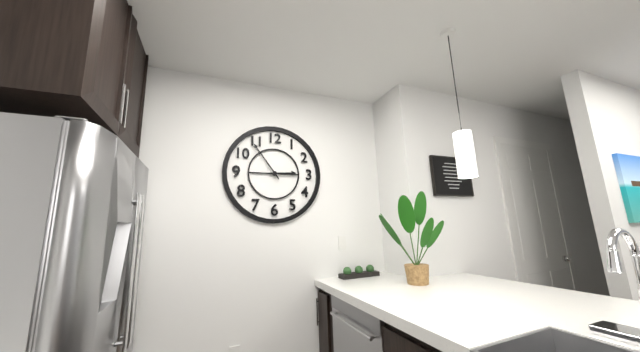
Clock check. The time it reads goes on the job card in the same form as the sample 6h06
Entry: 2h54
